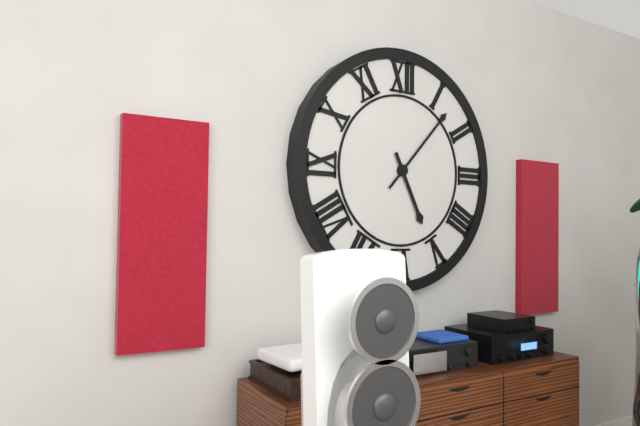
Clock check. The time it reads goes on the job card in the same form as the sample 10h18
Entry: 5h07
